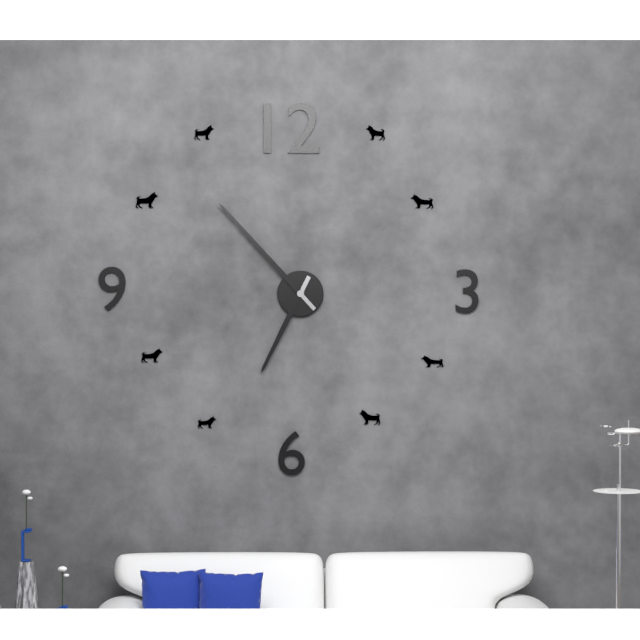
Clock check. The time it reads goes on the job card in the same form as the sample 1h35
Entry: 6h53
